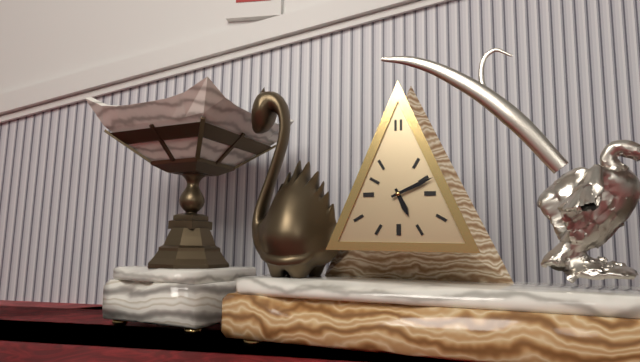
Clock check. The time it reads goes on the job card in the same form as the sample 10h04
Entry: 5h11
